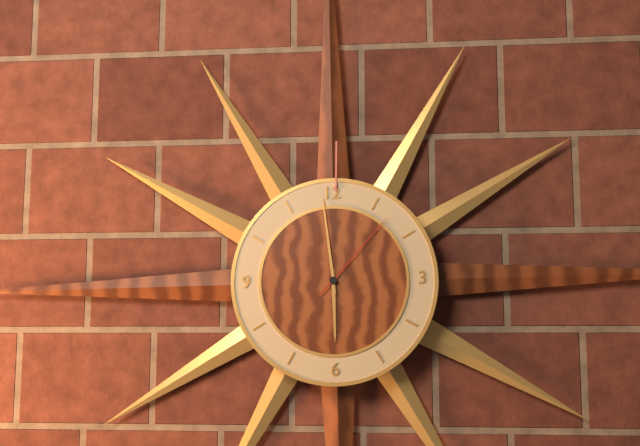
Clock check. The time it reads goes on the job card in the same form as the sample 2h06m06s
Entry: 5h59m07s
